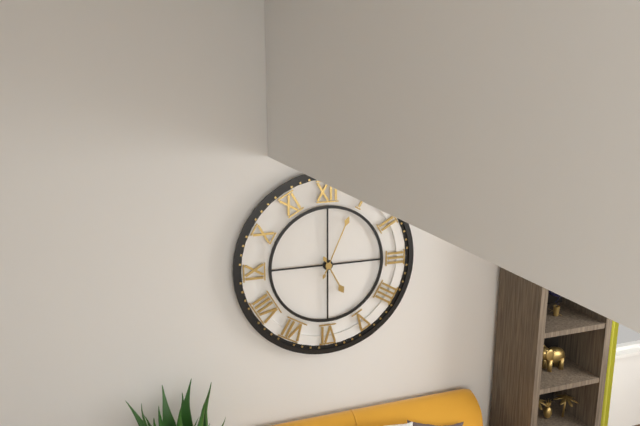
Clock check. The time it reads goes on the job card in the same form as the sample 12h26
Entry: 5h04
